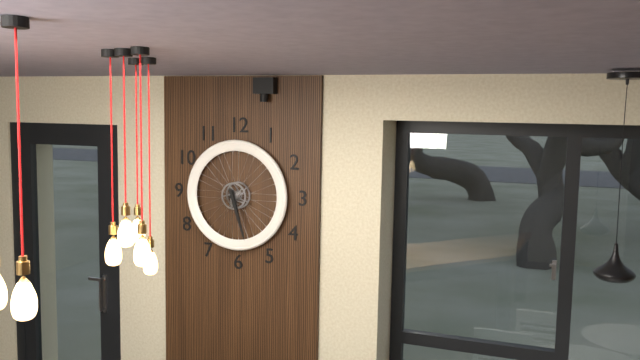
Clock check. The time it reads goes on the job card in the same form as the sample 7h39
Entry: 5h27
